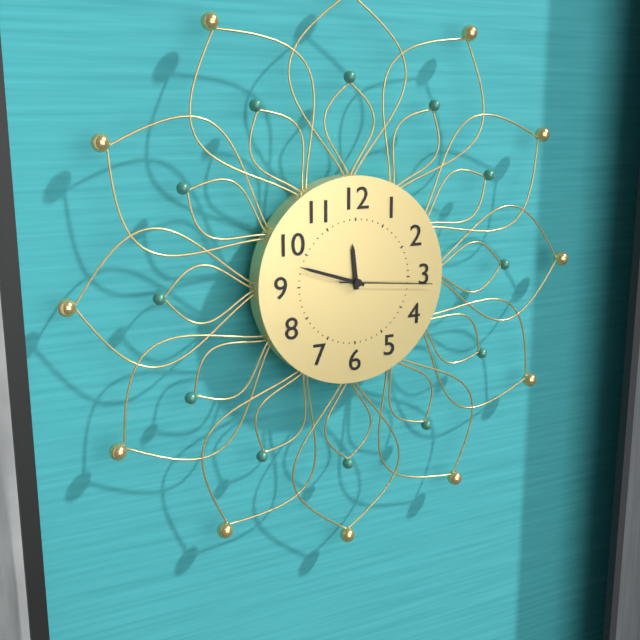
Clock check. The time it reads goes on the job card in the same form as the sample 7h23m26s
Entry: 11h48m16s
